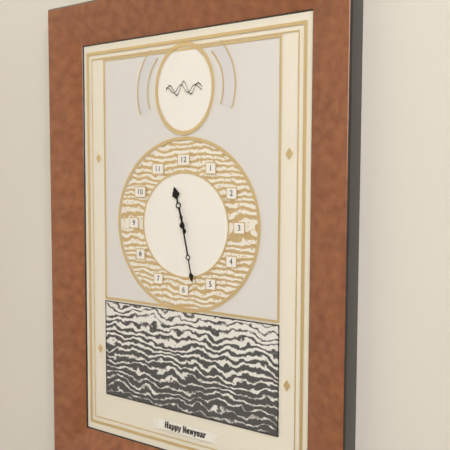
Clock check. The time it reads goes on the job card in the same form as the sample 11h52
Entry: 11h28
